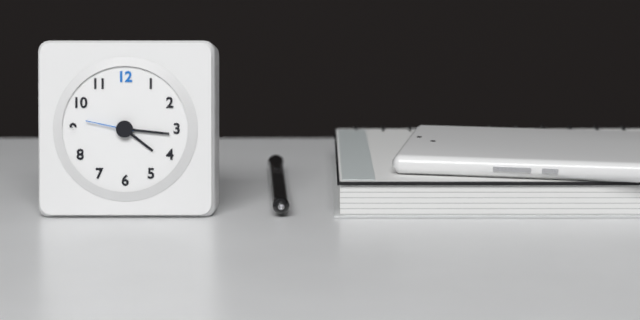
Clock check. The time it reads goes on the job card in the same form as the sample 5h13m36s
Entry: 4h16m47s
